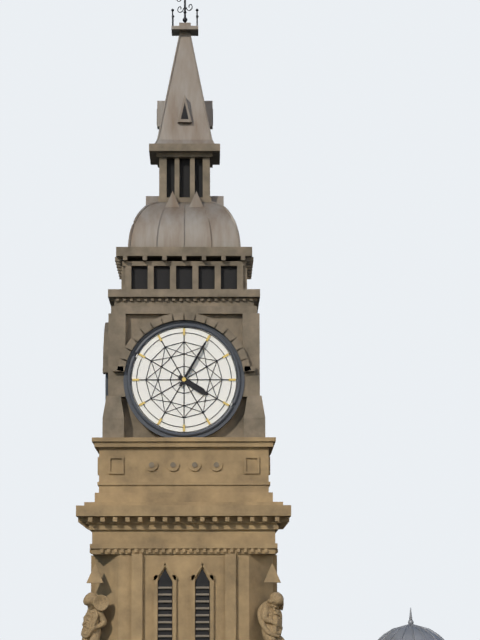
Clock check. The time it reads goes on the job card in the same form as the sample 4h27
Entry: 4h05
